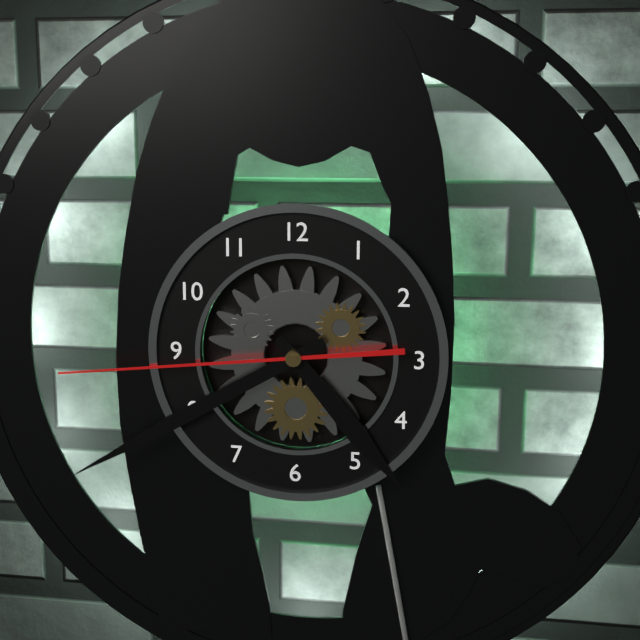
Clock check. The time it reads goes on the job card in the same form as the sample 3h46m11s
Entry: 4h40m44s
